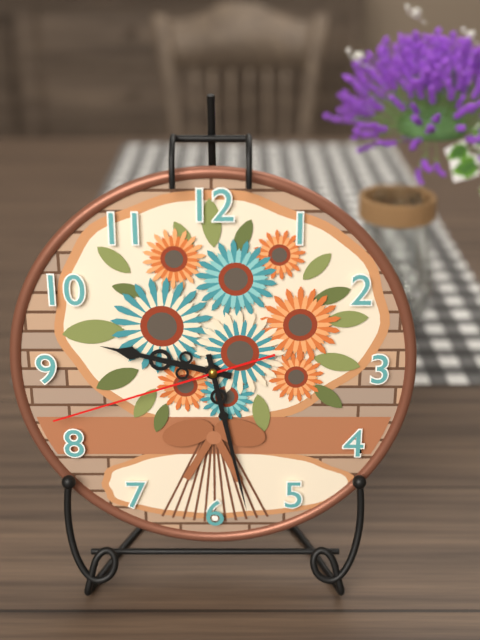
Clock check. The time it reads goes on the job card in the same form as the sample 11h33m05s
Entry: 9h28m42s
